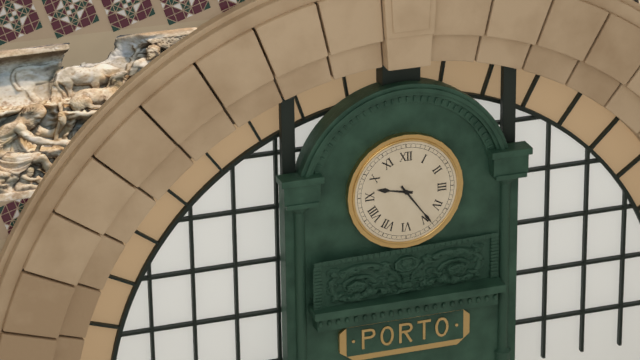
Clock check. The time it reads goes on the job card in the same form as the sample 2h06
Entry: 9h24
